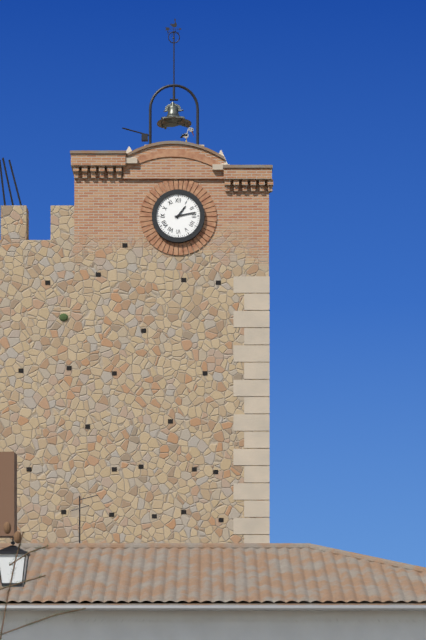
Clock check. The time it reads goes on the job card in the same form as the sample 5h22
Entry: 1h13
